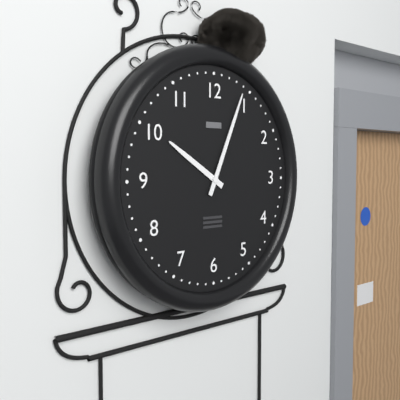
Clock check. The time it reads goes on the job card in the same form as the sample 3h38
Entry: 10h04
